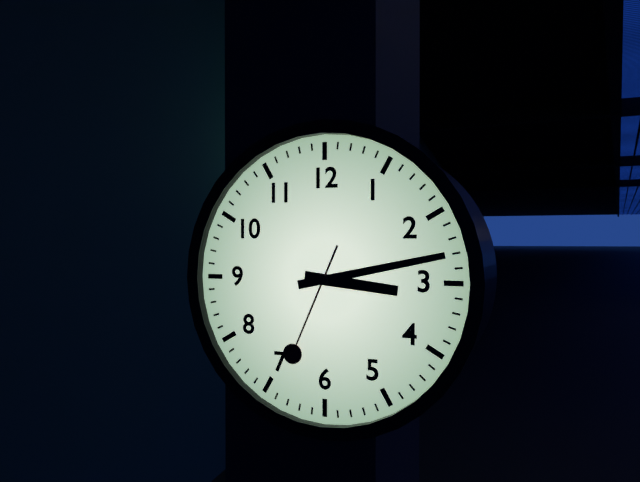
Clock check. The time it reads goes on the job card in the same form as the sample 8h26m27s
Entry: 3h13m34s
